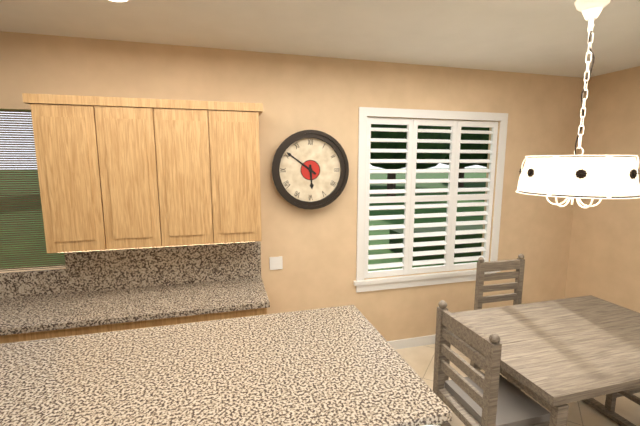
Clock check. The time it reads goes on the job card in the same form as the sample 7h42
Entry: 5h51
